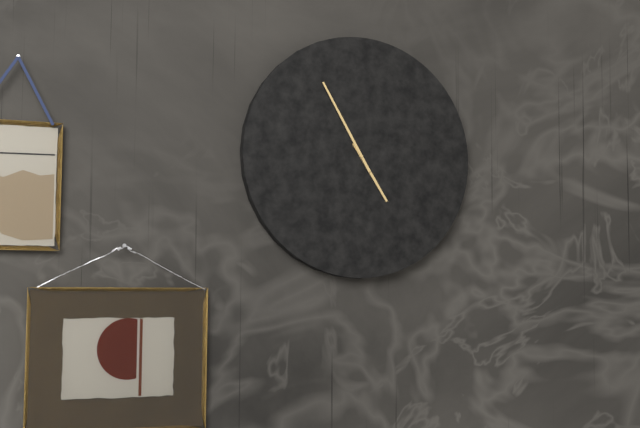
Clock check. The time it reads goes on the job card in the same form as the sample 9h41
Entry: 4h55
